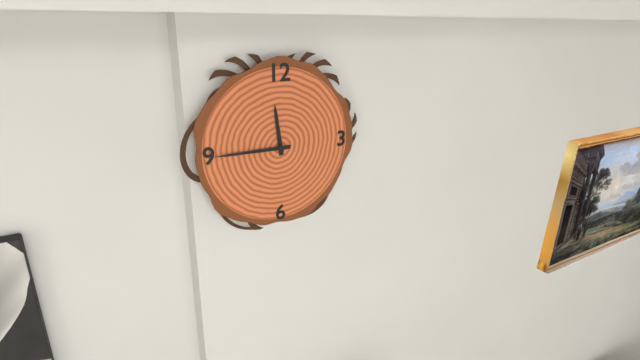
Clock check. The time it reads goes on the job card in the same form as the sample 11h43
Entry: 11h45
